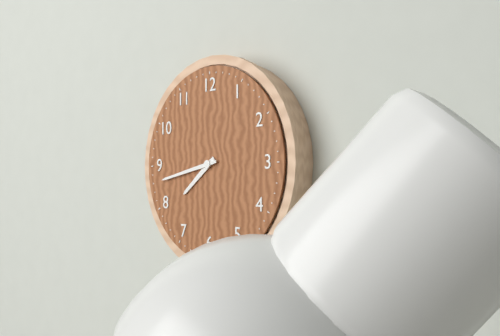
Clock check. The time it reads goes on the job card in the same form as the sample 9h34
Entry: 7h43
